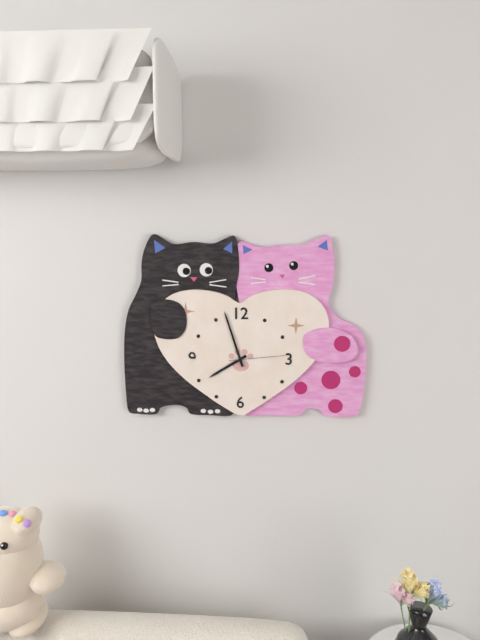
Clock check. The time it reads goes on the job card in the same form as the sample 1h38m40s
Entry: 7h57m14s
